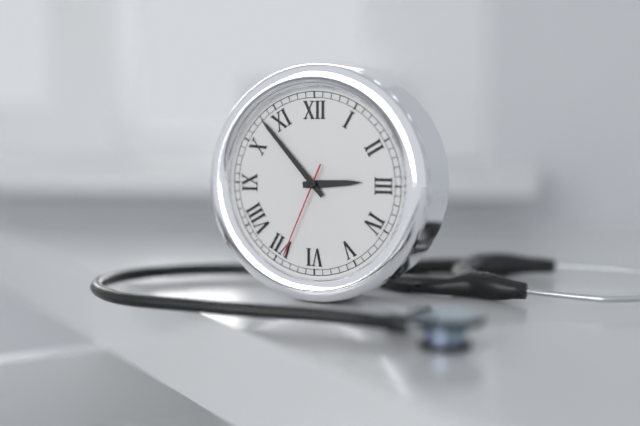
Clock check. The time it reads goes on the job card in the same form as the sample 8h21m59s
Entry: 2h53m34s
